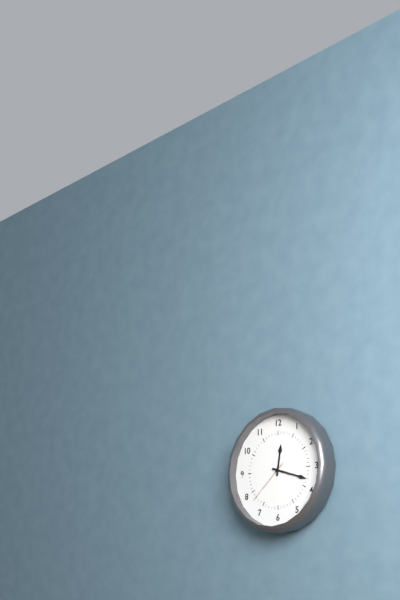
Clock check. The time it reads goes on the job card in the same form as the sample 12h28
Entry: 12h18
